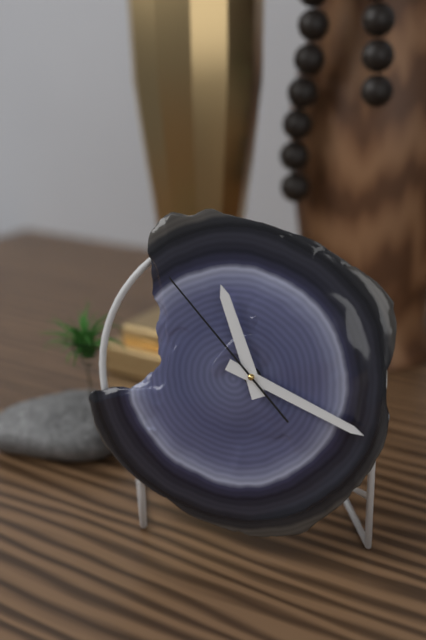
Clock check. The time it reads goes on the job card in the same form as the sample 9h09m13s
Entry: 11h19m53s
